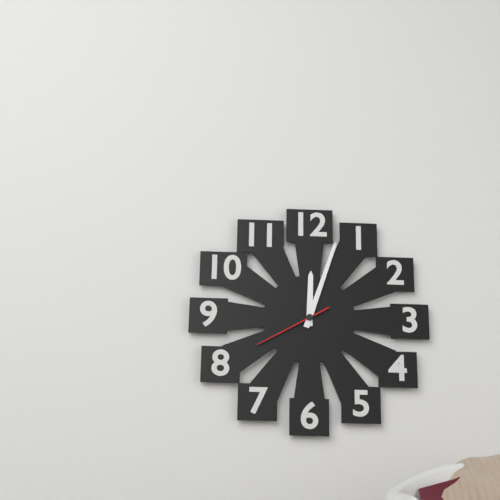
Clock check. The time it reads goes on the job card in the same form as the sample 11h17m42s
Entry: 12h03m40s
